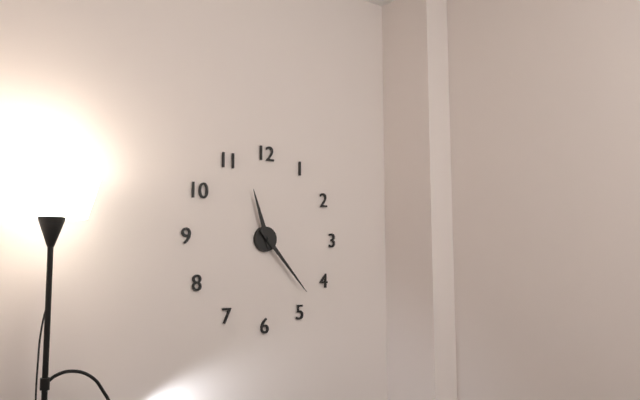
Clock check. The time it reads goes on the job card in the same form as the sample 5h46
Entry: 11h23
